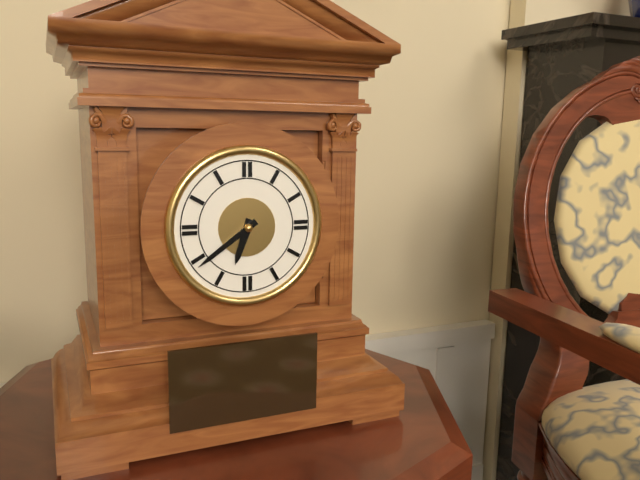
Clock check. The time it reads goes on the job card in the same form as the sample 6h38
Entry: 6h39
